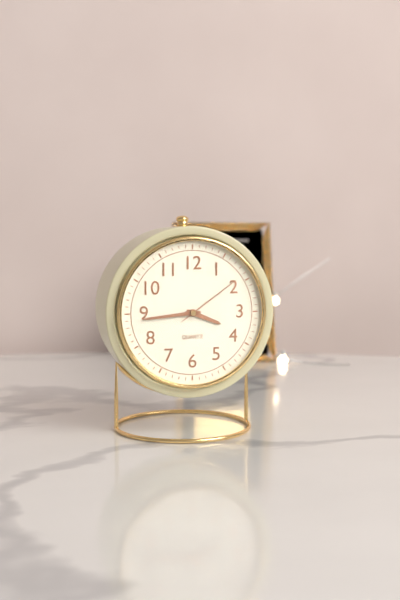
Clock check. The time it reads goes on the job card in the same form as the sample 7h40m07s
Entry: 3h44m09s
